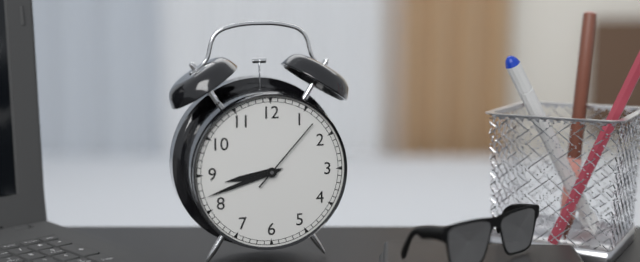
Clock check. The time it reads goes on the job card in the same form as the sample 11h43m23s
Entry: 8h42m07s
